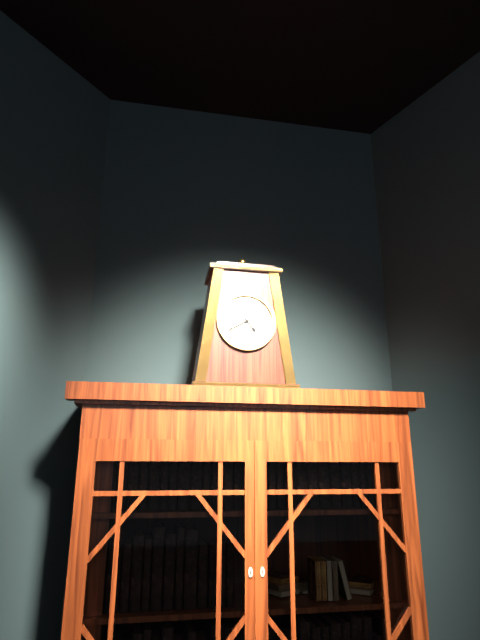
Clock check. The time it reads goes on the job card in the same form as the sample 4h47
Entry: 4h40
